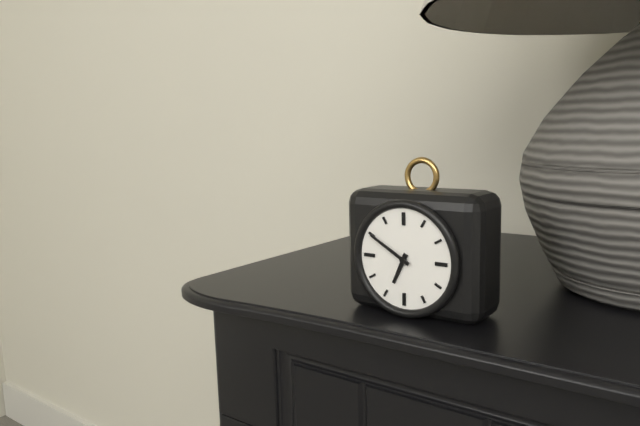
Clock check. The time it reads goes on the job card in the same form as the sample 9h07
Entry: 6h50
